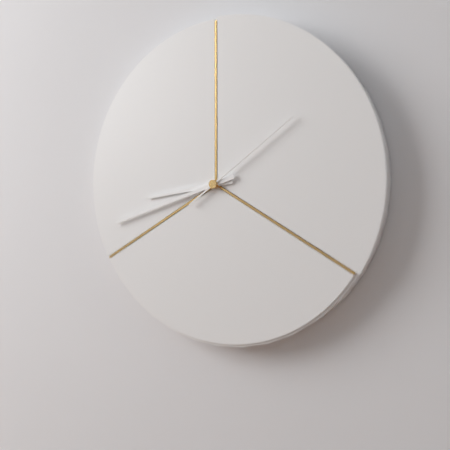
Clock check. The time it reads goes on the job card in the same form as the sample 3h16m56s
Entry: 8h42m09s
